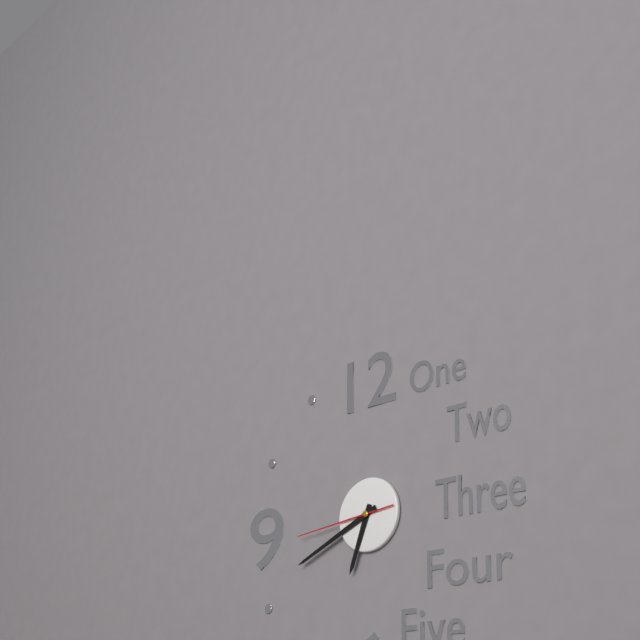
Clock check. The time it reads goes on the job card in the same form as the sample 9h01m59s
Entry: 6h41m44s
